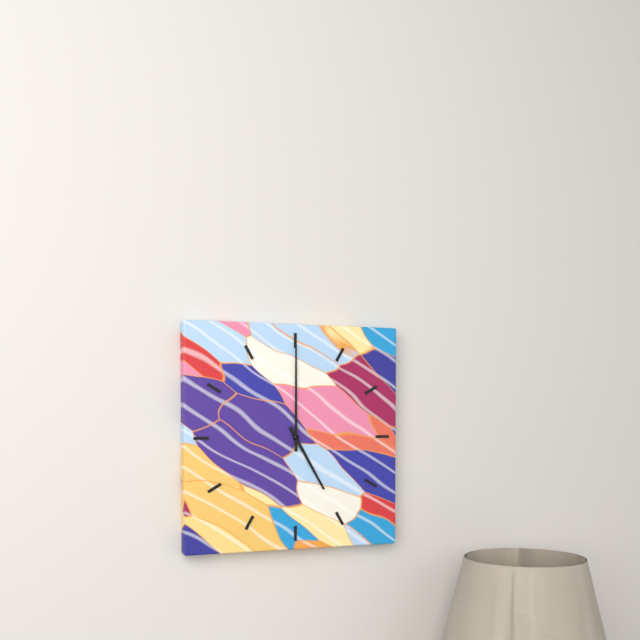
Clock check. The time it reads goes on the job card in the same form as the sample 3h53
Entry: 5h00
